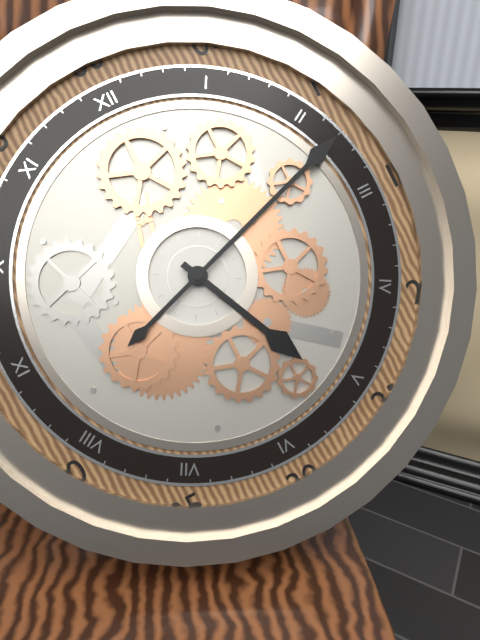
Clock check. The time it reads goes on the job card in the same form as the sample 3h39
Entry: 5h12
